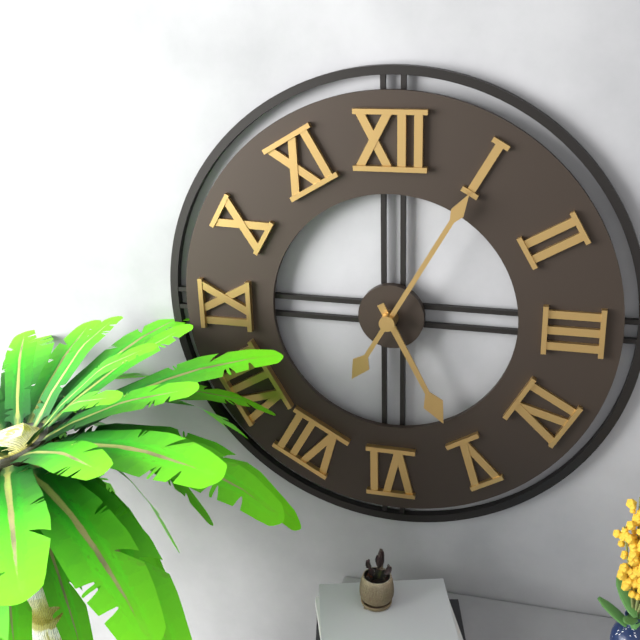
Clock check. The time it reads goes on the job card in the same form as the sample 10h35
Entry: 5h05
